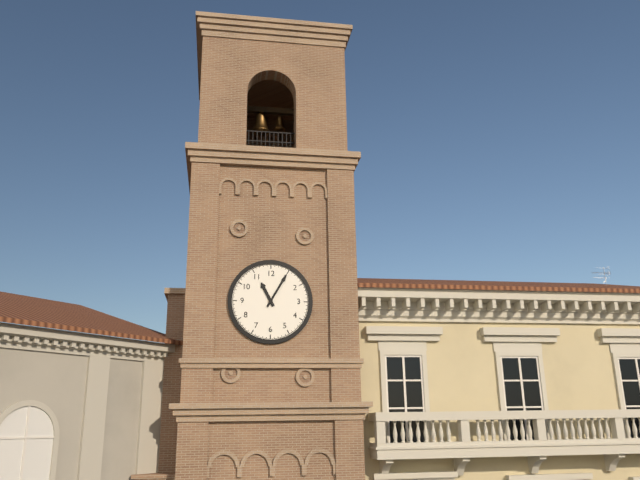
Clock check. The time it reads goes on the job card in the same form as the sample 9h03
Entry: 11h05
